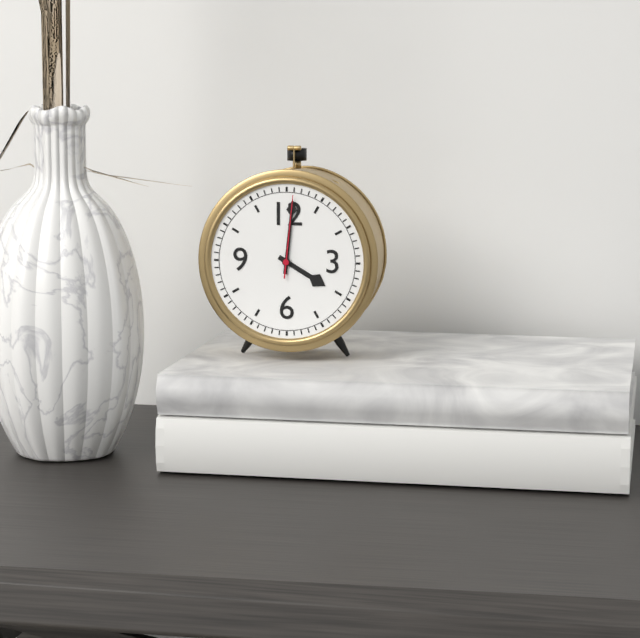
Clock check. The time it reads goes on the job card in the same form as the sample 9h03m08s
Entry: 4h01m01s
